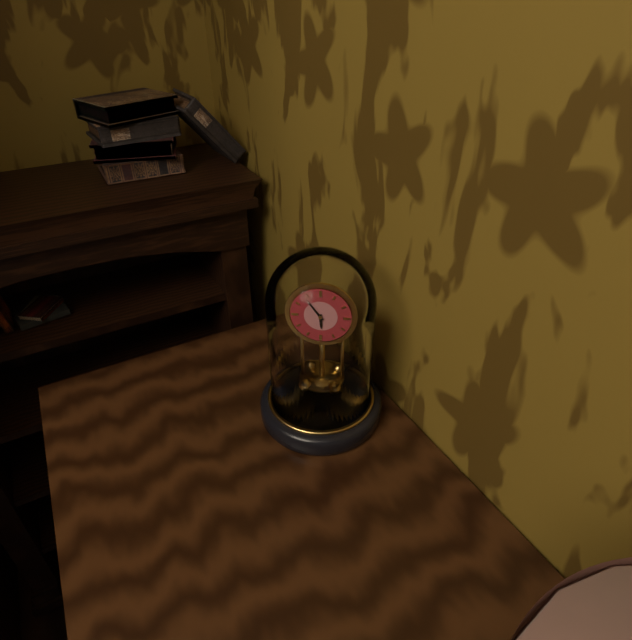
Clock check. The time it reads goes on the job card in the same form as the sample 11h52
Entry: 5h54
